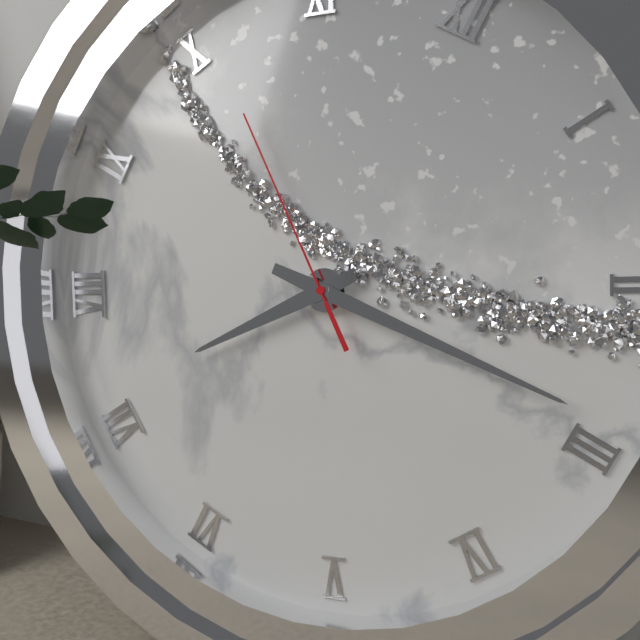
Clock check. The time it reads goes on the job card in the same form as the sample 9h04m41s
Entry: 7h14m51s
